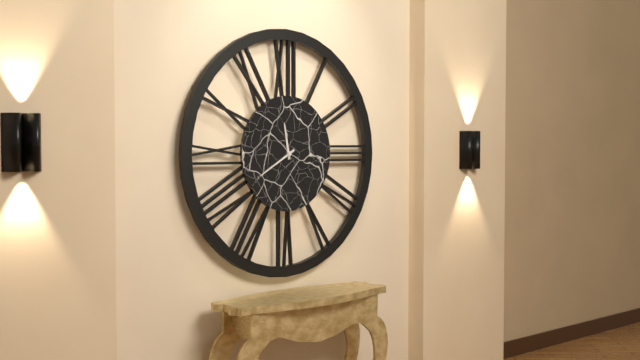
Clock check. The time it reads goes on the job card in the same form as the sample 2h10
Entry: 11h40
